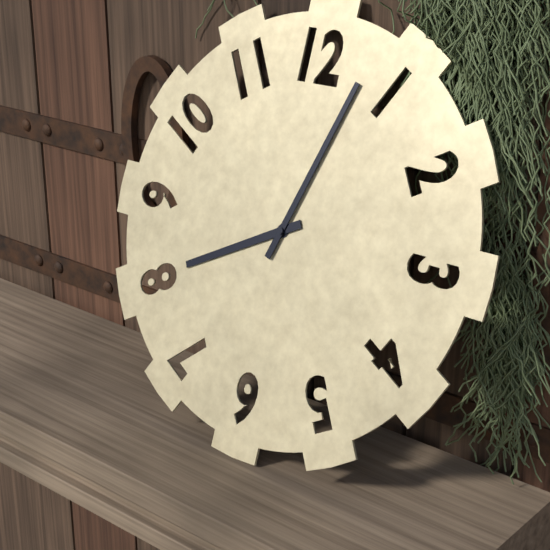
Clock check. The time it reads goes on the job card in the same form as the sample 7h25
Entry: 8h03
